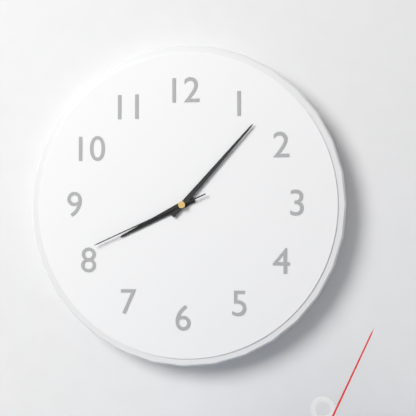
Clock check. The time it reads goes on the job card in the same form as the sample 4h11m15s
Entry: 8h07m41s
